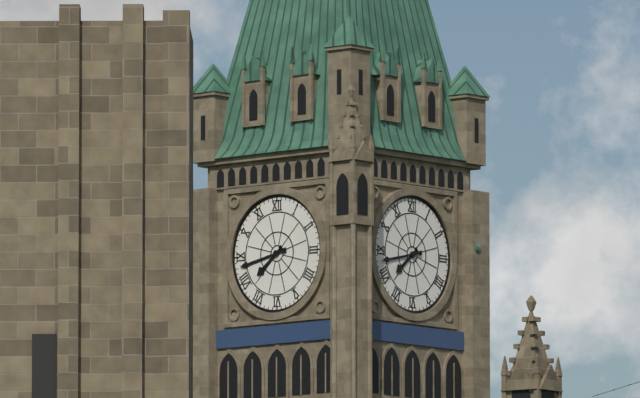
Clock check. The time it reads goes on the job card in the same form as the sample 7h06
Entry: 7h43
